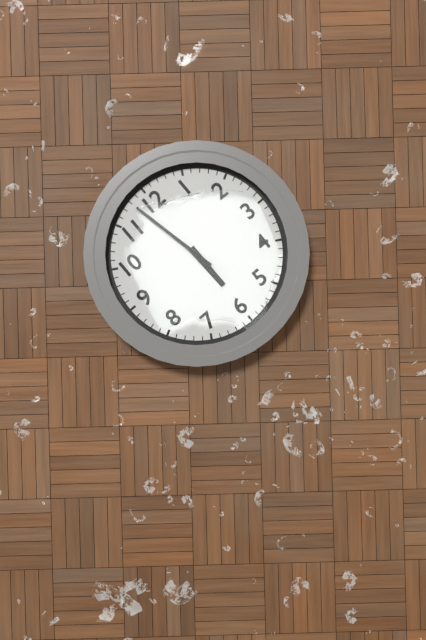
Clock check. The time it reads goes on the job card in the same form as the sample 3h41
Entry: 5h58
